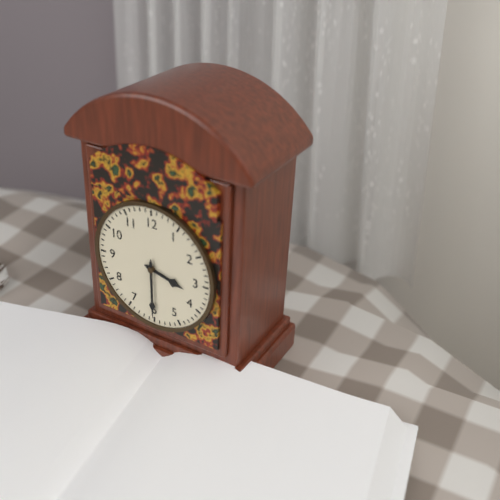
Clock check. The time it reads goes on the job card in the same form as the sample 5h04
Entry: 3h30
